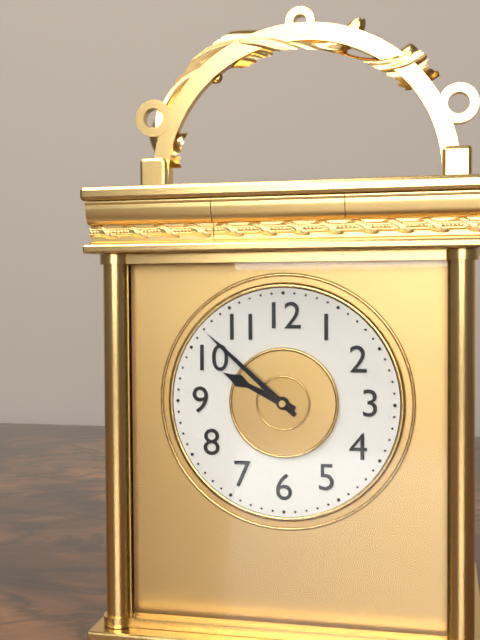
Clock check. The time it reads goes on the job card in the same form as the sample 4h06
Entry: 9h52
